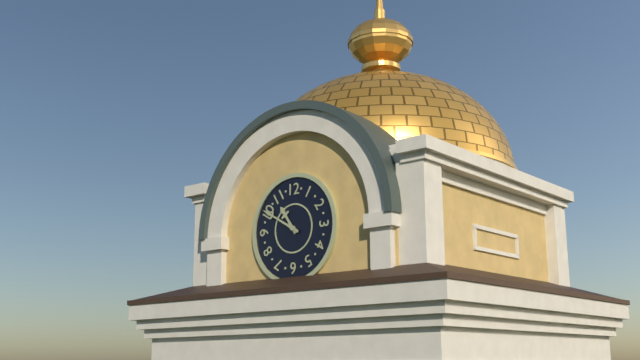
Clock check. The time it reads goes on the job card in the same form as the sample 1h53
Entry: 10h50
